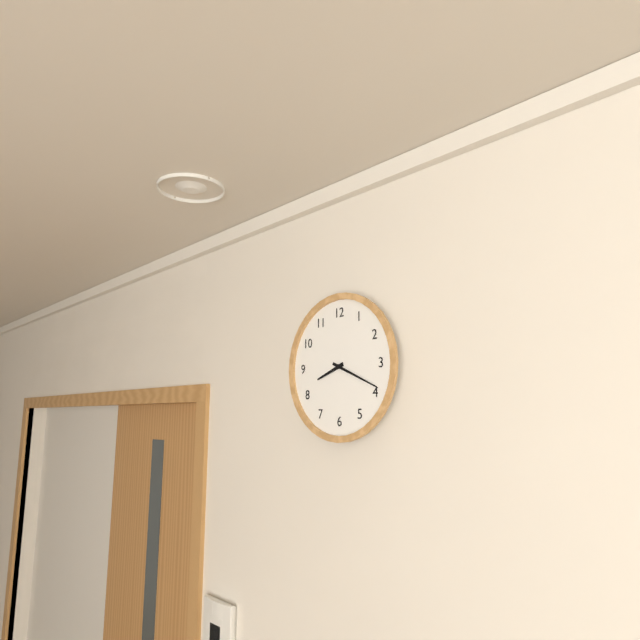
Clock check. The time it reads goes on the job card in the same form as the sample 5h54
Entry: 8h19
